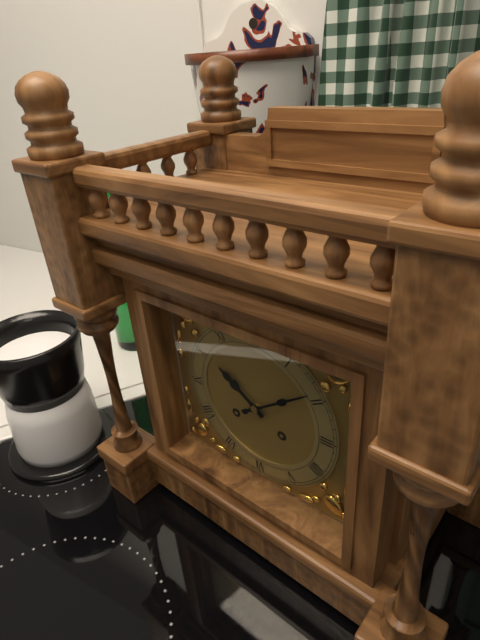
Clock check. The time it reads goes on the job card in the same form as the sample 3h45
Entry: 10h09
